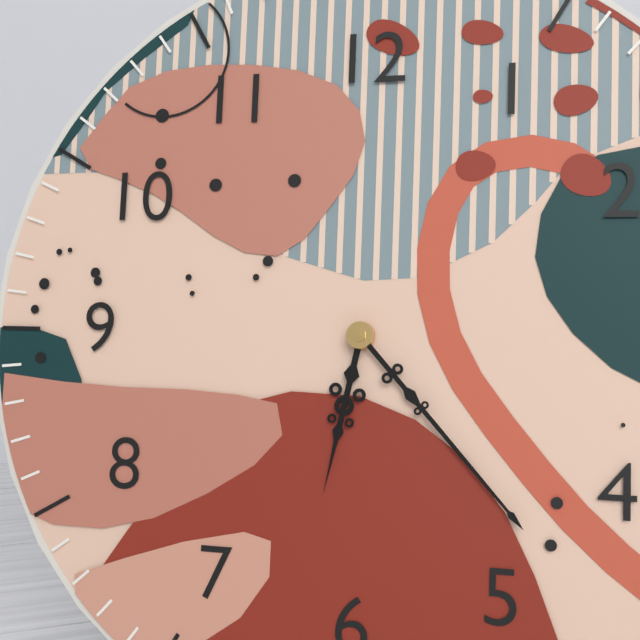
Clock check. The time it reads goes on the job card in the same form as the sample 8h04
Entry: 6h23
